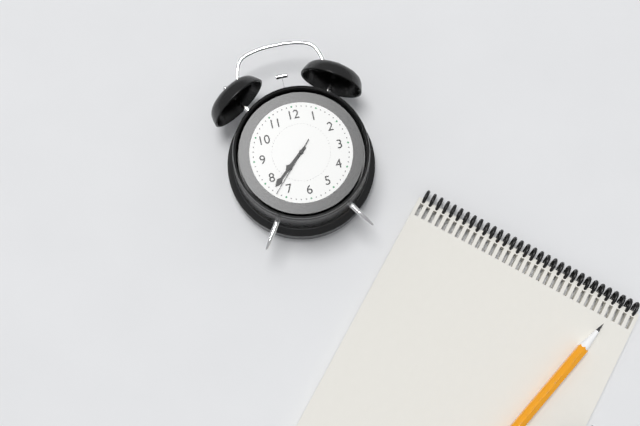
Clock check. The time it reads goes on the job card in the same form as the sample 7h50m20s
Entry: 7h38m37s
